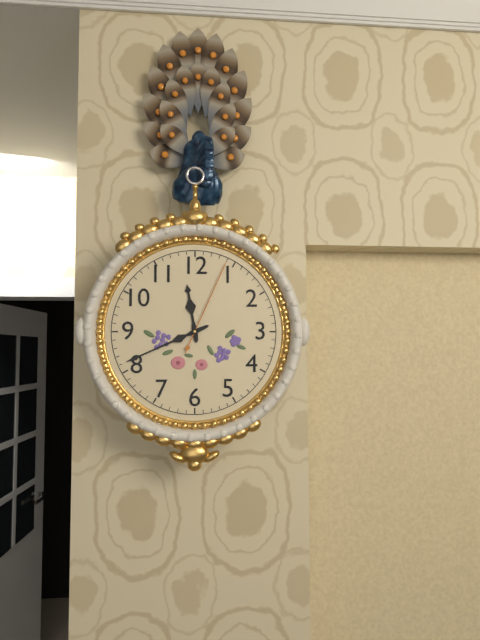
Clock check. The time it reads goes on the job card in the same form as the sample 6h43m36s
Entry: 11h41m04s
